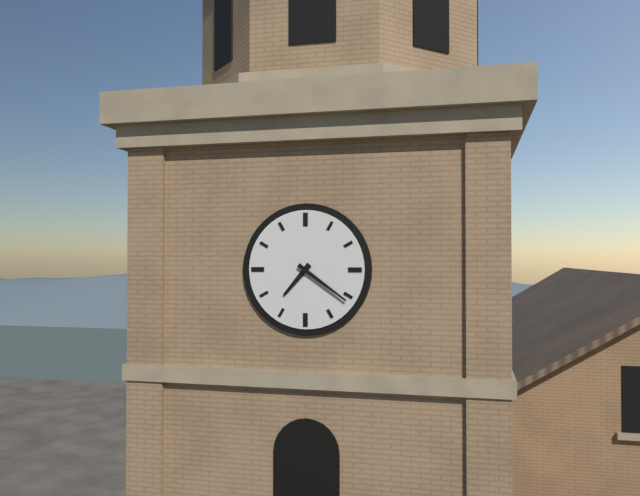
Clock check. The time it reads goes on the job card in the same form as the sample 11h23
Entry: 7h21
